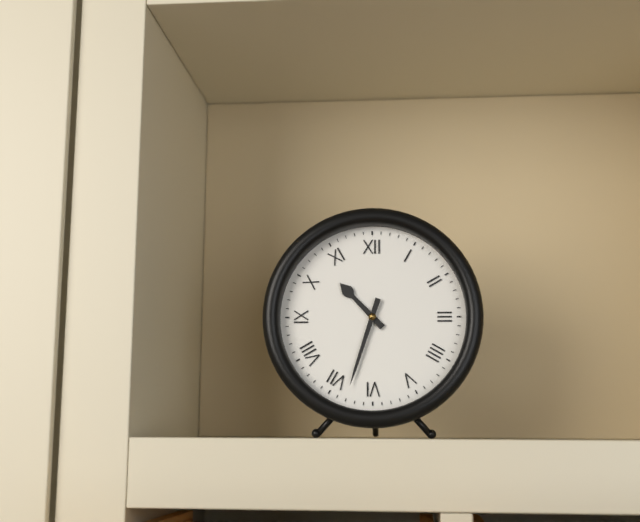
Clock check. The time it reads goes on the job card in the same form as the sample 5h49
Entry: 10h33
